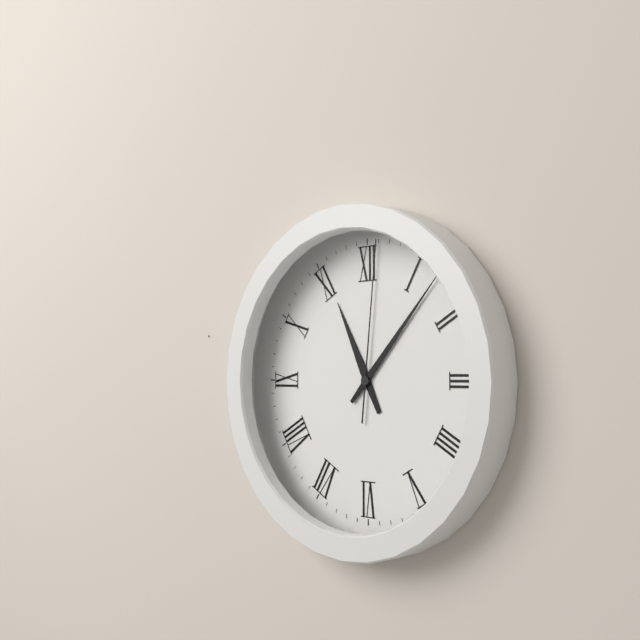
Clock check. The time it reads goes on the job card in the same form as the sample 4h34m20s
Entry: 11h07m01s
